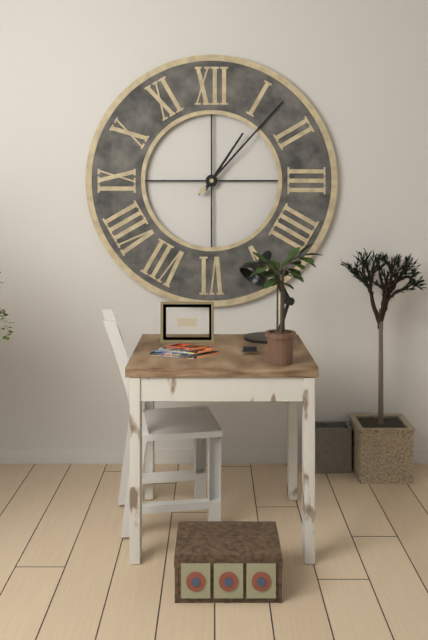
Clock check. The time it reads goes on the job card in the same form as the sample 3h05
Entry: 1h07
